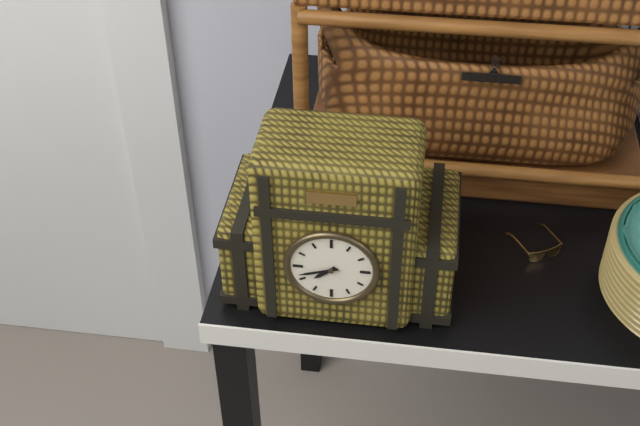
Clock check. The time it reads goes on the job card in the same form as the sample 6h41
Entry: 7h42
